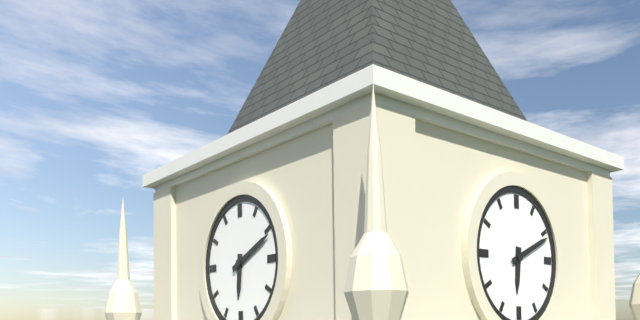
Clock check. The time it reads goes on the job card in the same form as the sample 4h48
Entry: 6h11
